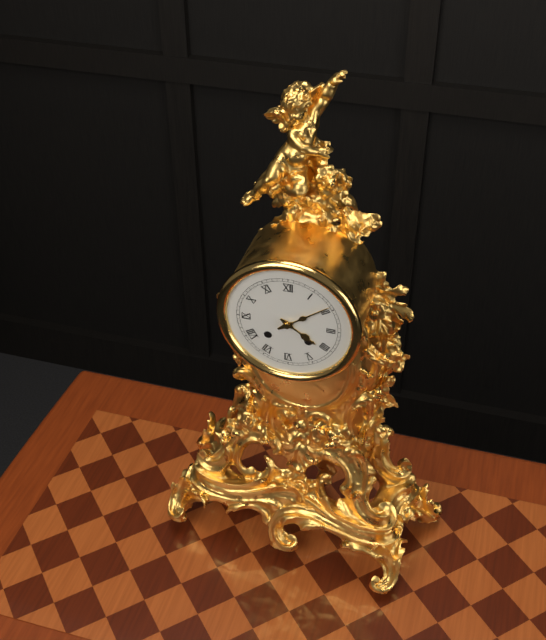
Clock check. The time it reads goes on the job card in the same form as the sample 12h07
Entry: 4h09
